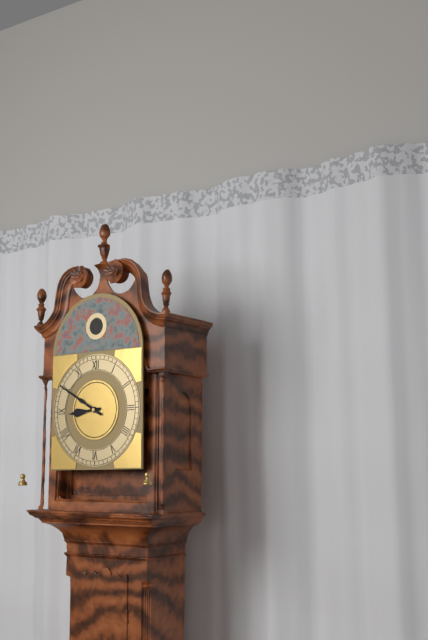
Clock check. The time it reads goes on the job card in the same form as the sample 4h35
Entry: 8h50
